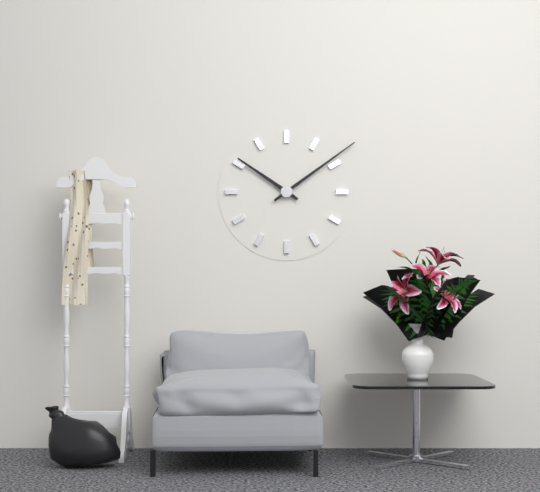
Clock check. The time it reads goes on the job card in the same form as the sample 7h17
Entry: 10h09
